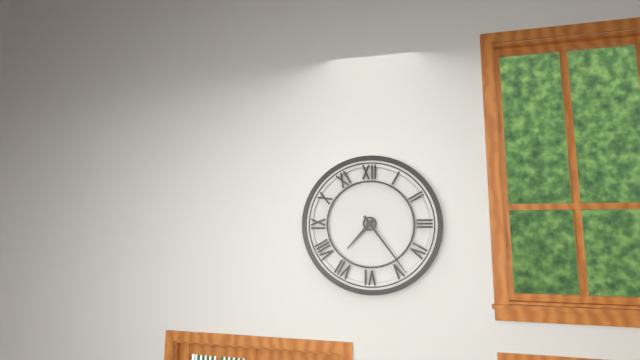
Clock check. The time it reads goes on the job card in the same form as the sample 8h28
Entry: 7h24
